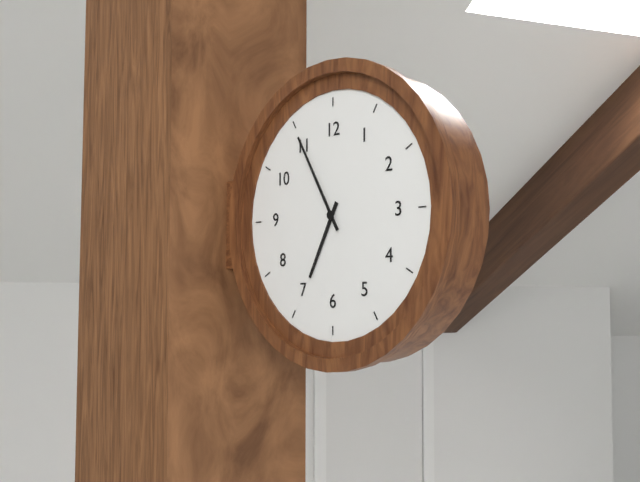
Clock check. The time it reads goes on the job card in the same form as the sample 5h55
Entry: 6h55
